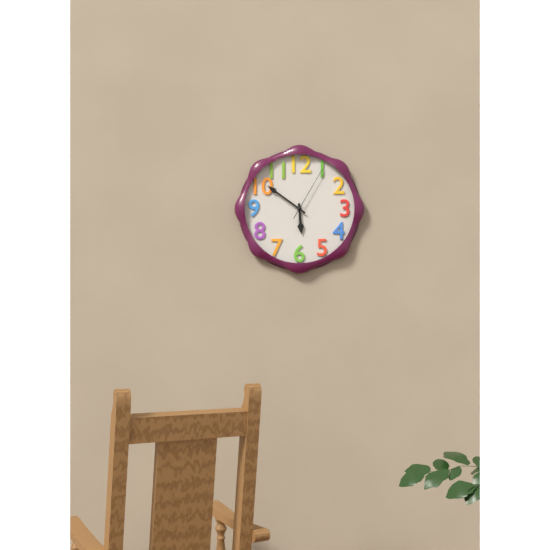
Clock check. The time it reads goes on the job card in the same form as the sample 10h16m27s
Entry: 5h51m05s
